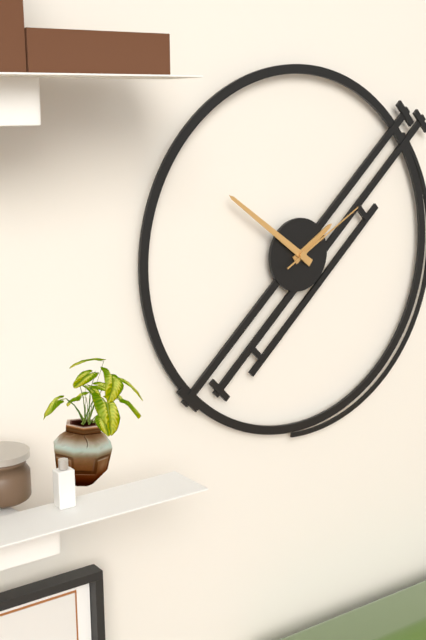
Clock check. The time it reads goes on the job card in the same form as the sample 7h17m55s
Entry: 1h51m10s
